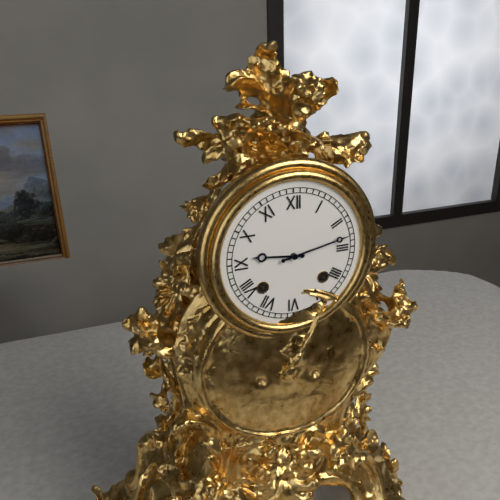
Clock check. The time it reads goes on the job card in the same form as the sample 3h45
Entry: 9h13
